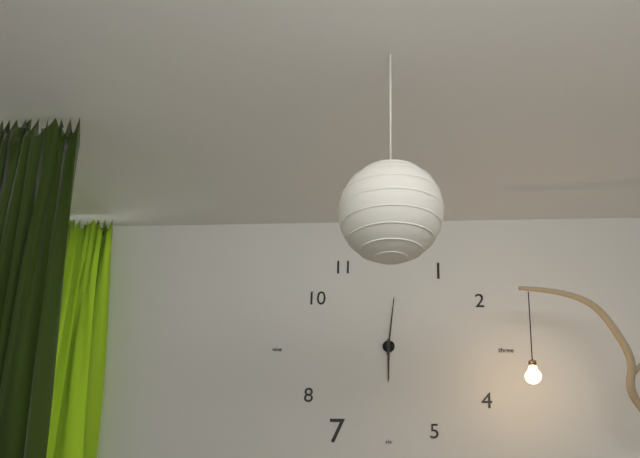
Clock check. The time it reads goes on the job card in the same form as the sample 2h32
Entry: 6h01
